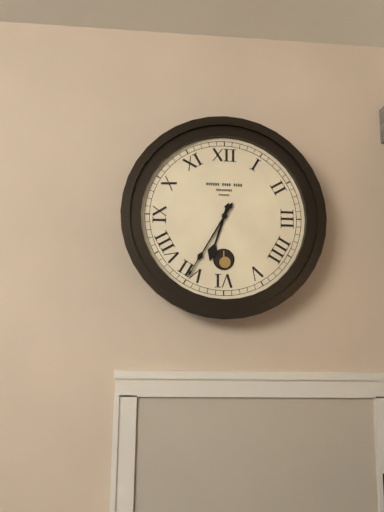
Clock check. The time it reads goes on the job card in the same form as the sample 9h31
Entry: 6h35
